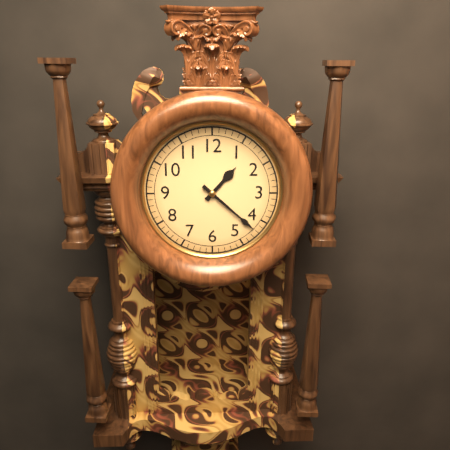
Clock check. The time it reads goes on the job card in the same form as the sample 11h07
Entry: 1h22
